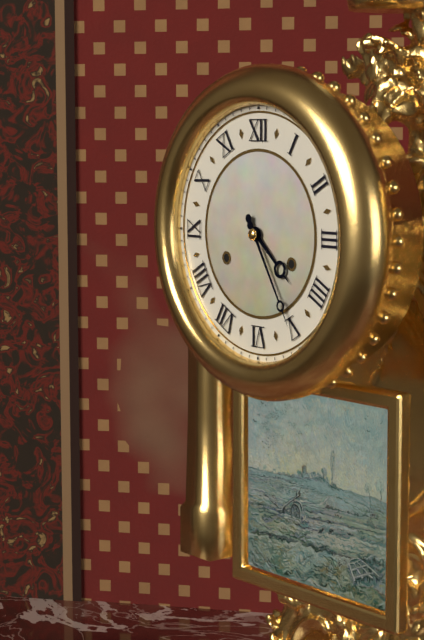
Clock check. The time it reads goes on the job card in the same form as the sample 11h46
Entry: 4h25
